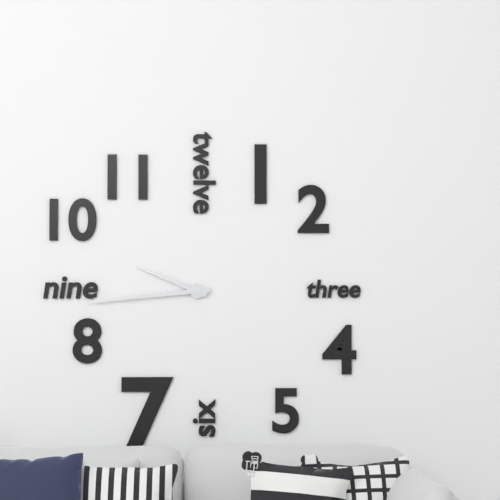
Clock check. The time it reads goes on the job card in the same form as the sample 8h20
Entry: 9h44
